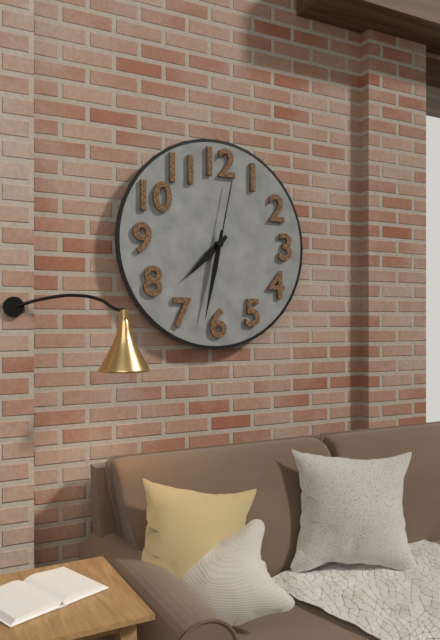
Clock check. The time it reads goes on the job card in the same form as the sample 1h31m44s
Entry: 7h32m02s
